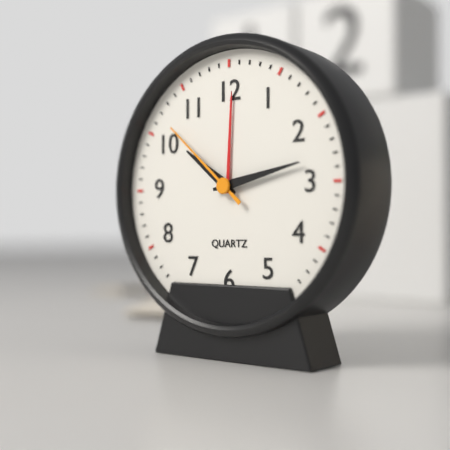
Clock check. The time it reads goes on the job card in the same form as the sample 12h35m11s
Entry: 10h13m52s
